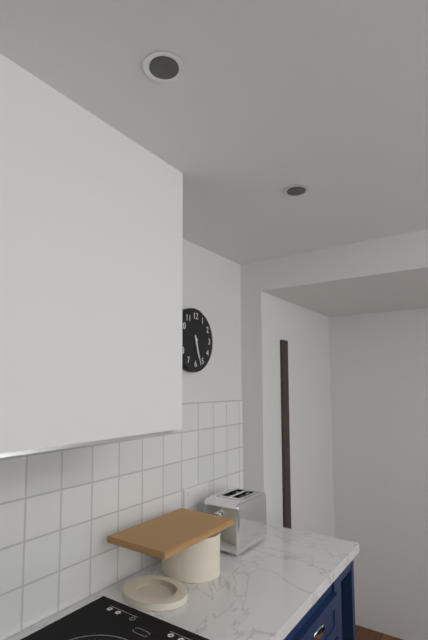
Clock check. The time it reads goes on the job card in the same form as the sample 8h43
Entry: 5h27
